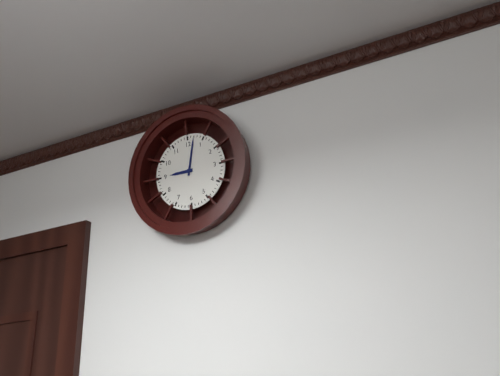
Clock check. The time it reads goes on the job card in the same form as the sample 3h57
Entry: 9h02
